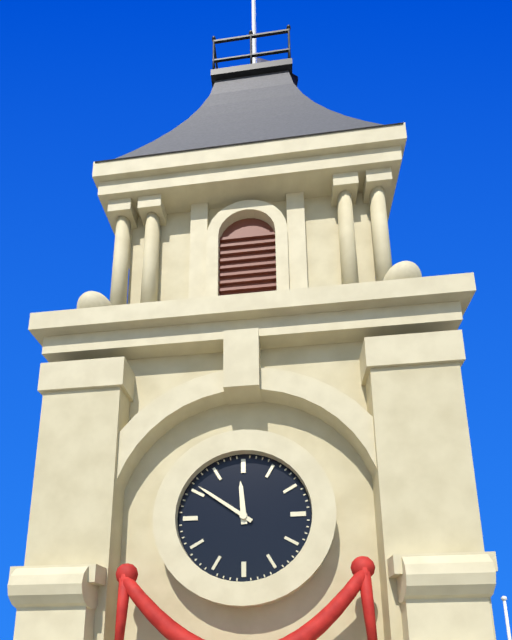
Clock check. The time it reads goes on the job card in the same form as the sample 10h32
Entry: 11h51
